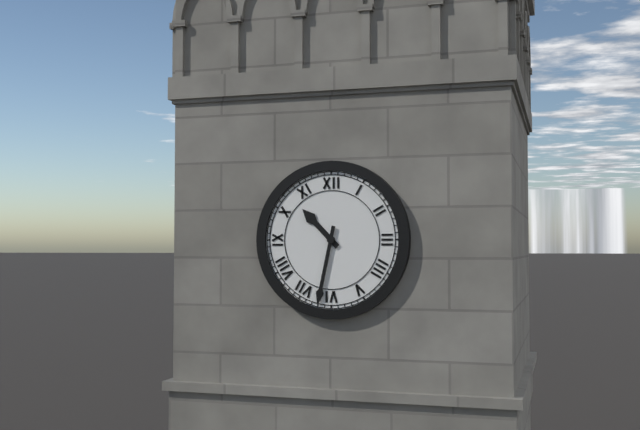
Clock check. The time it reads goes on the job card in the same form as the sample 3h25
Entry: 10h32
